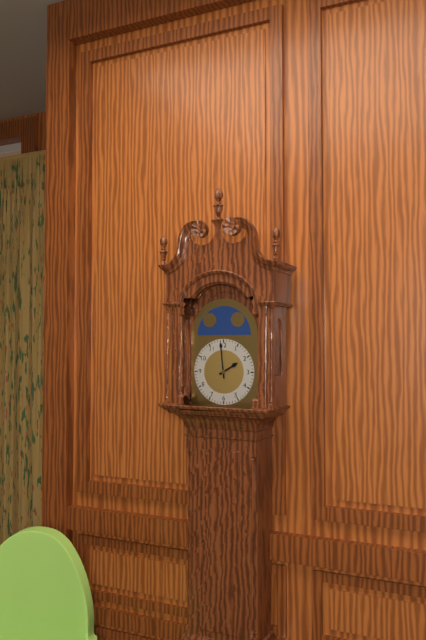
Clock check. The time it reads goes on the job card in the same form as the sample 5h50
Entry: 1h59
